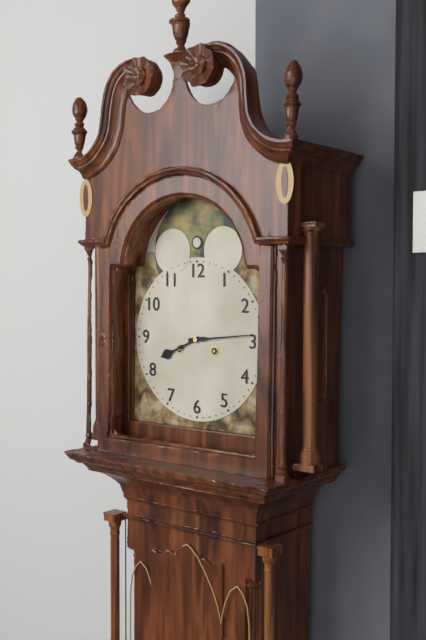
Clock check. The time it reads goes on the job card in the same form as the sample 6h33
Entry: 8h14
